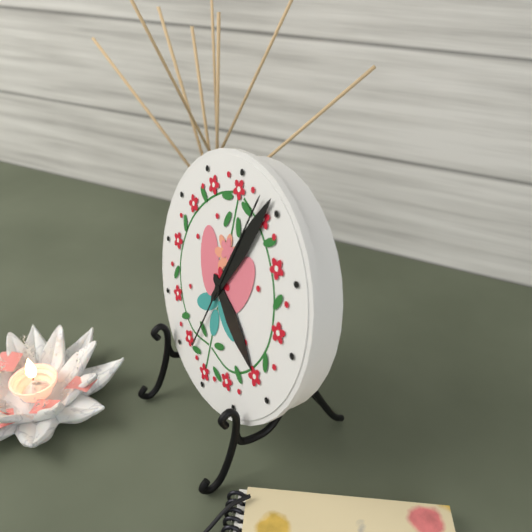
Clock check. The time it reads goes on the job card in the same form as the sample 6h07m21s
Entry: 4h04m03s
